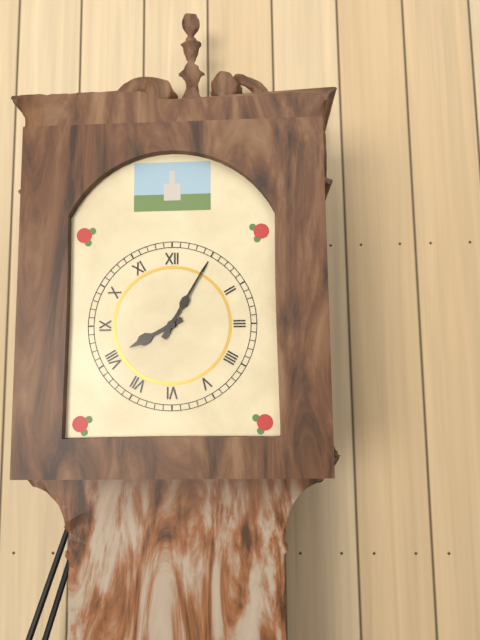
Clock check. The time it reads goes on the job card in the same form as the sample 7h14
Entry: 8h05
